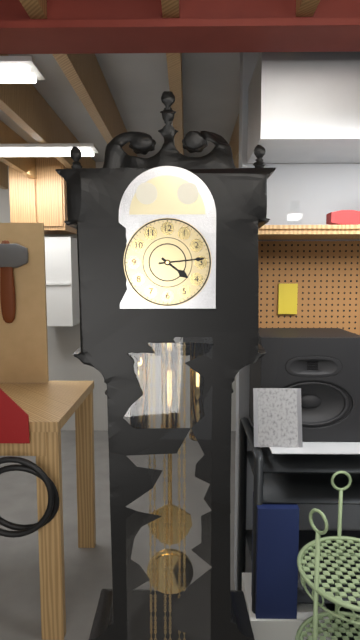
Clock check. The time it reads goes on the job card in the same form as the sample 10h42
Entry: 4h14
